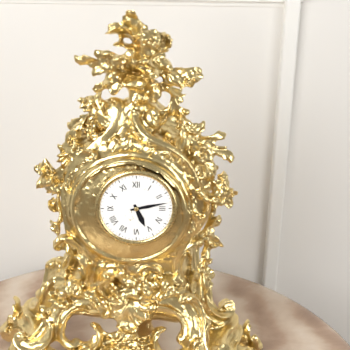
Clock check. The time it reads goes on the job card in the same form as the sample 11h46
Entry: 5h13
